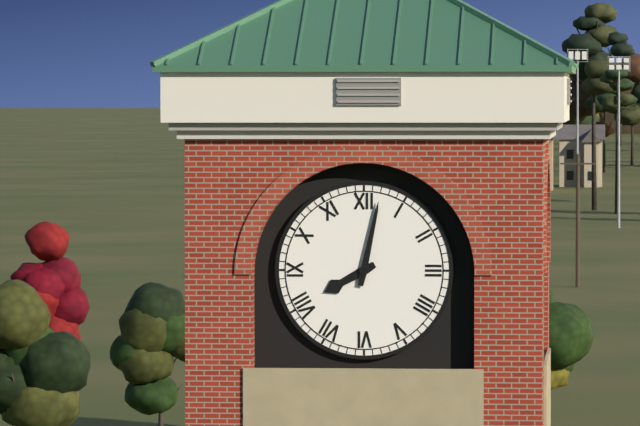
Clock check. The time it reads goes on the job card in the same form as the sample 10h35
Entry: 8h02
